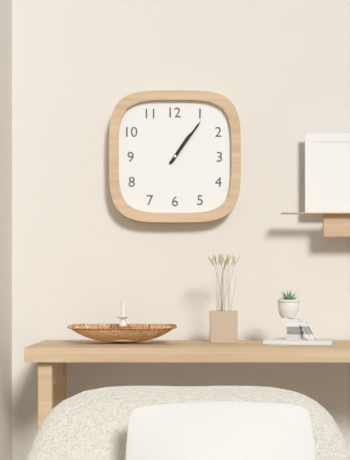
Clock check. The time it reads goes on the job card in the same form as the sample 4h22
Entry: 1h06
